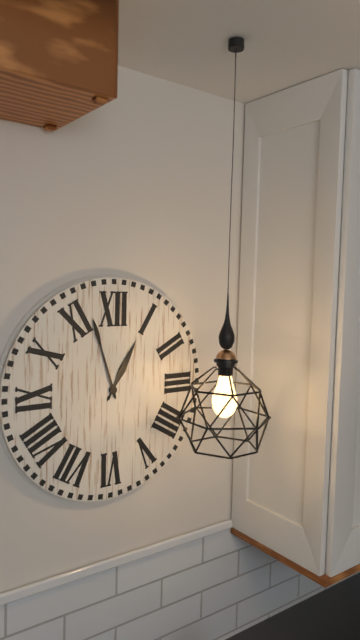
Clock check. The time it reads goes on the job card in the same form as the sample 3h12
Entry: 12h57
